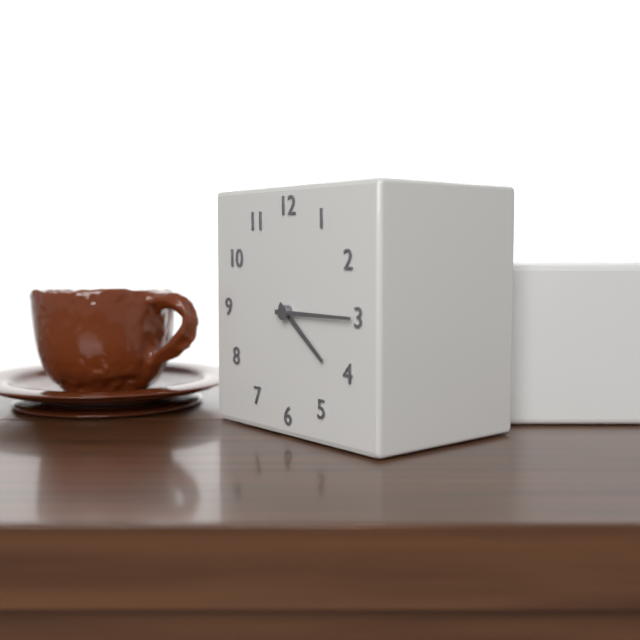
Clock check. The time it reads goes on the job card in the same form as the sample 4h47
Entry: 4h15
